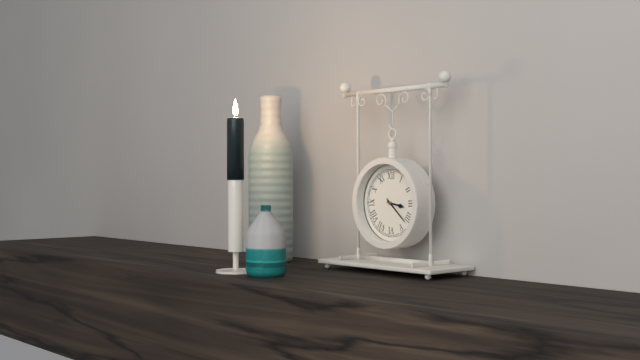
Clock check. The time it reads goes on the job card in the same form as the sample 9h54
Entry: 3h22
